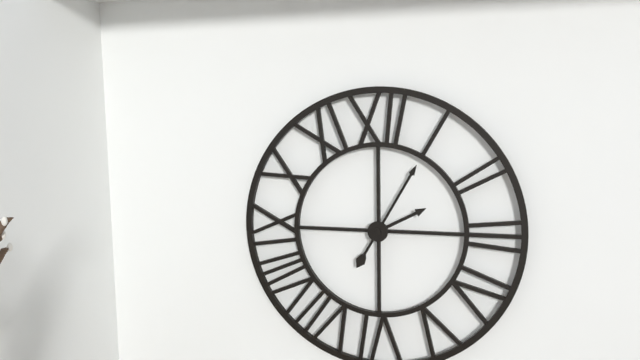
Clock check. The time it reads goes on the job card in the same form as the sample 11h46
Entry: 2h05
